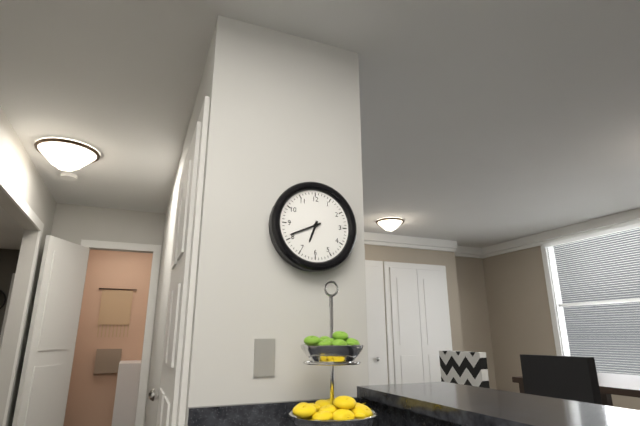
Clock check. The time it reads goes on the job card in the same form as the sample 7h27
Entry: 6h41
